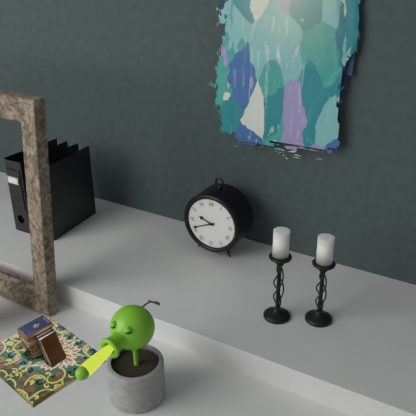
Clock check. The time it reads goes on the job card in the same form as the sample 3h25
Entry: 9h41
